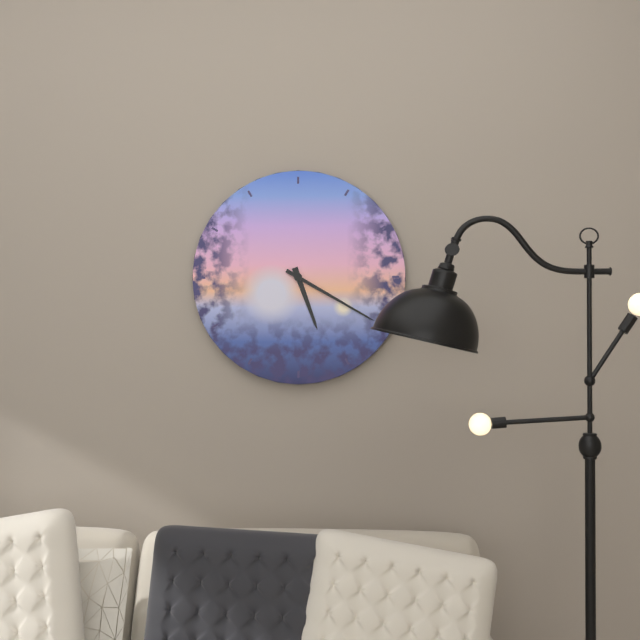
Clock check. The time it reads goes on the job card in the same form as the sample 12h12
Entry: 5h20
